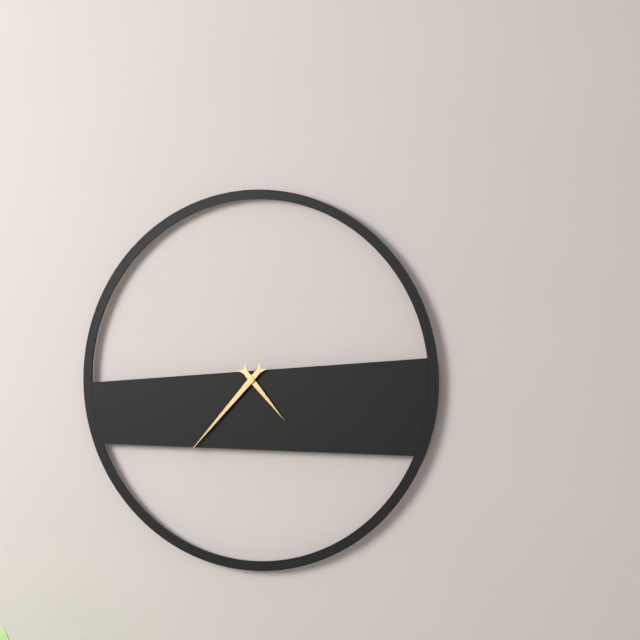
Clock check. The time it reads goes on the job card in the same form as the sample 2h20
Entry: 4h37
